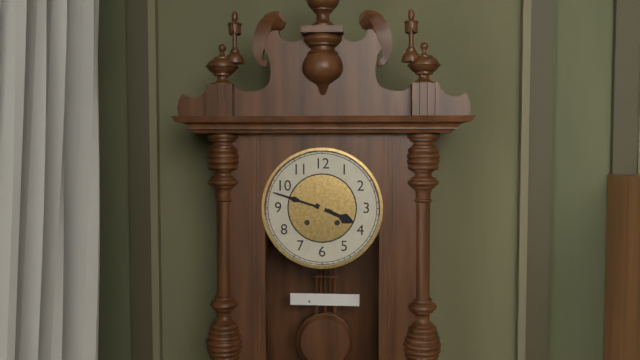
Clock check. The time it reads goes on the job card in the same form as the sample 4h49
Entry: 3h48
